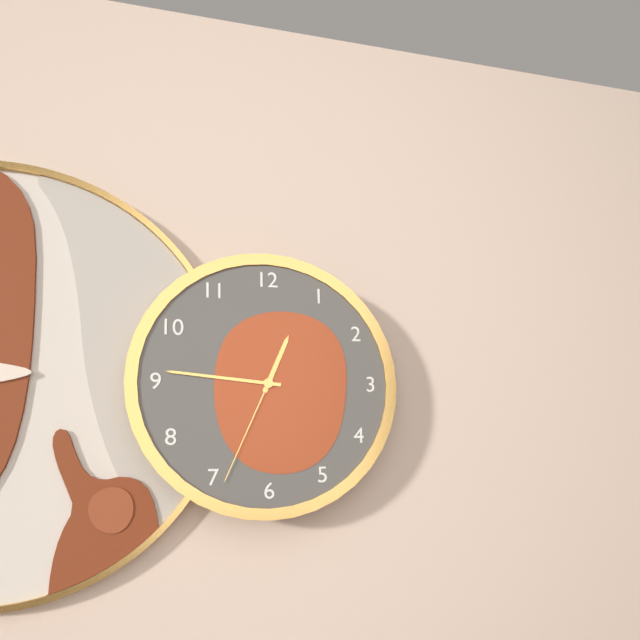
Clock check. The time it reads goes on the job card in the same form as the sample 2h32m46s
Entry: 12h46m34s
